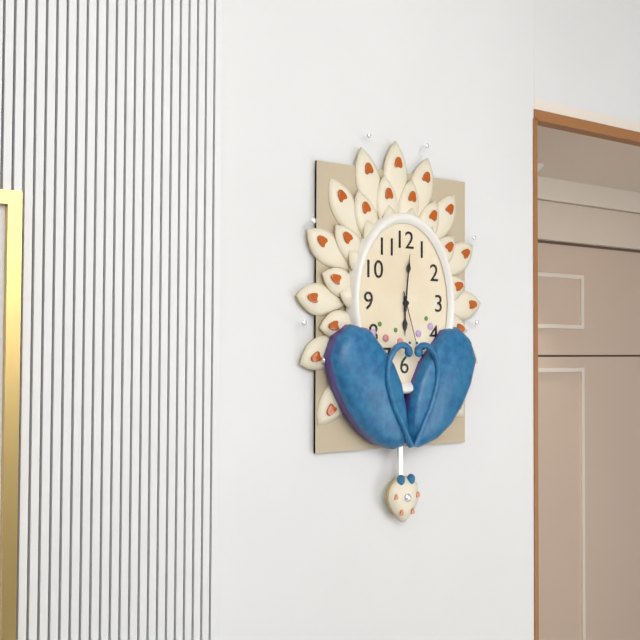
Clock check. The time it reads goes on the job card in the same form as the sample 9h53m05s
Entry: 6h01m27s
